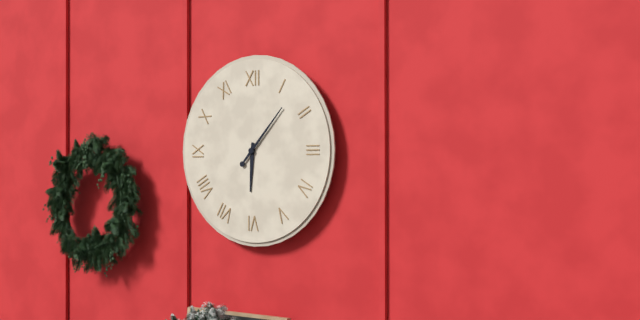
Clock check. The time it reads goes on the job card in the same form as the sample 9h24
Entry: 6h07
